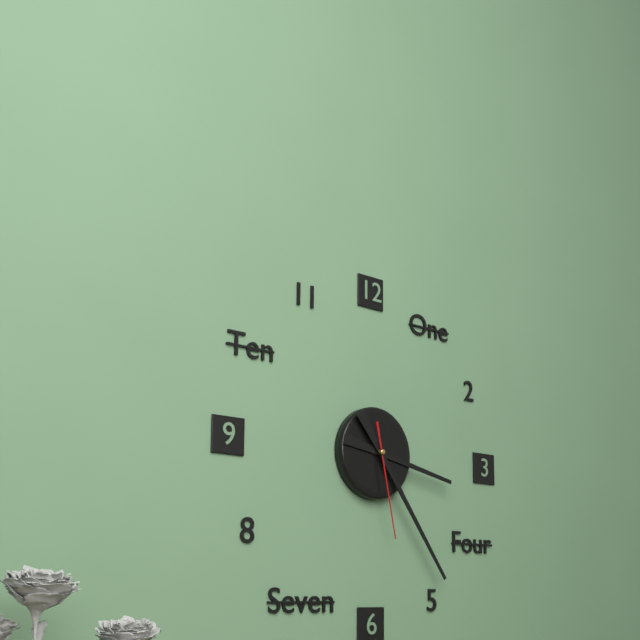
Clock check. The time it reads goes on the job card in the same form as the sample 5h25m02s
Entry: 3h24m28s
